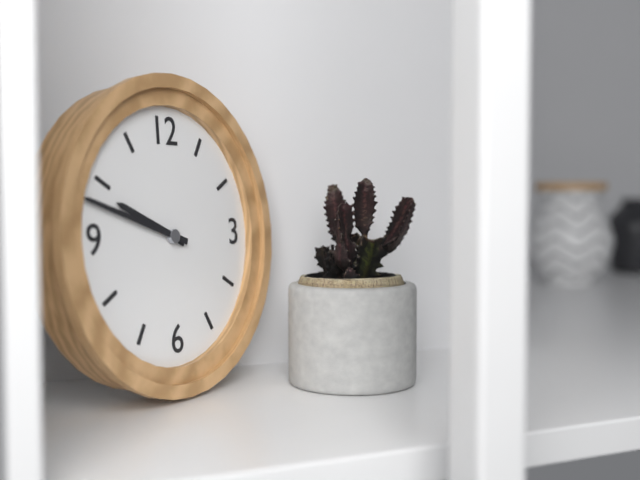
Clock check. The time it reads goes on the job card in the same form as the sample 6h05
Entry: 9h48
